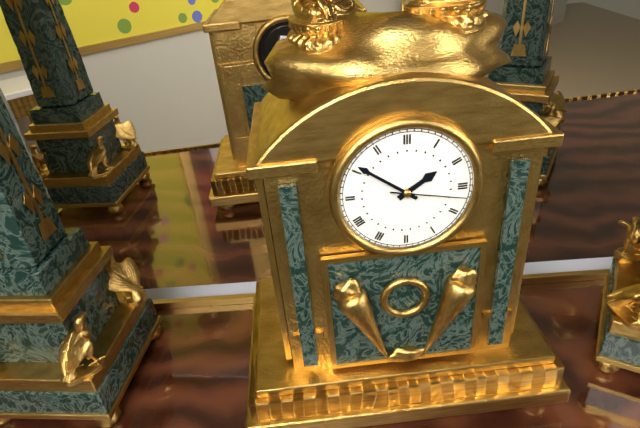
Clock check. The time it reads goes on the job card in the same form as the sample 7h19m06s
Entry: 1h51m17s
